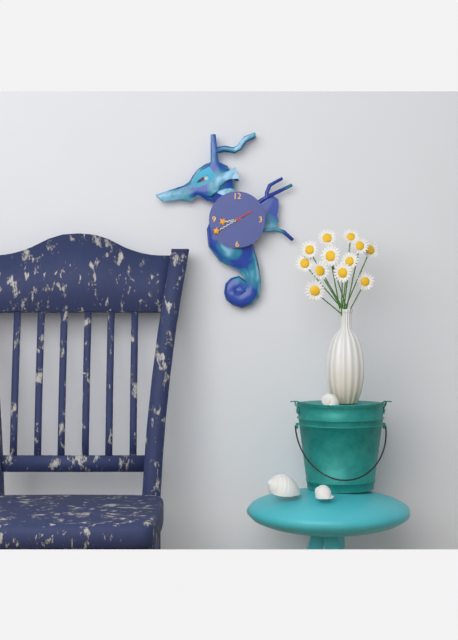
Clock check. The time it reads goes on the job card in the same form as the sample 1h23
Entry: 8h40
